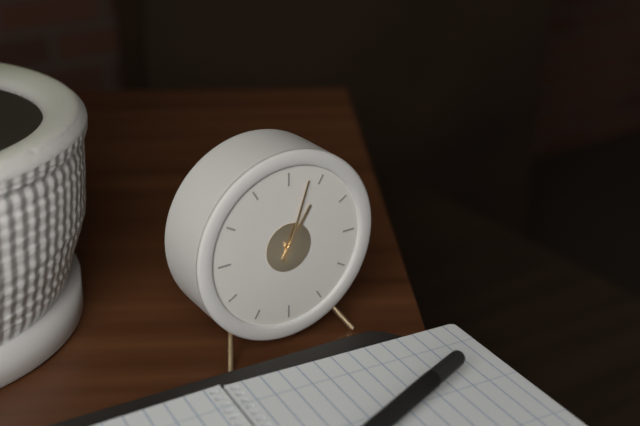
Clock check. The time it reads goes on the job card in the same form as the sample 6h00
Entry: 1h03
